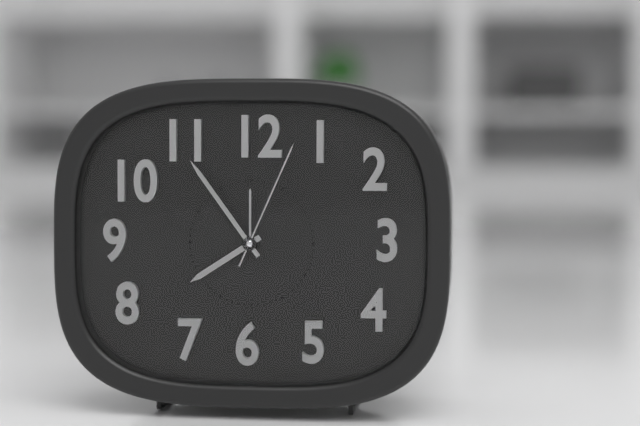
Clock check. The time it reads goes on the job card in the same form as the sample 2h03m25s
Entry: 7h54m04s
